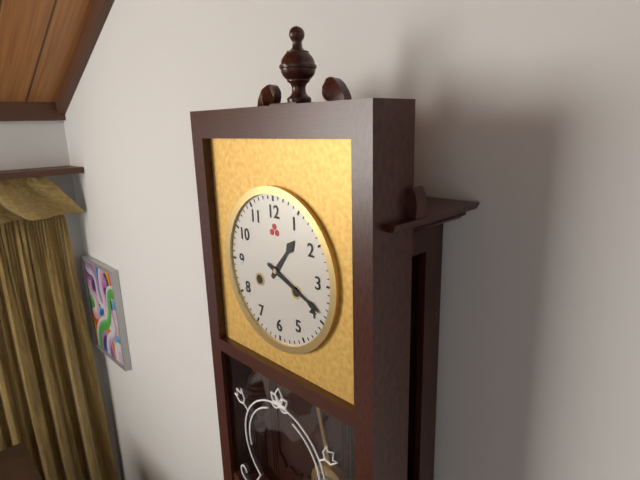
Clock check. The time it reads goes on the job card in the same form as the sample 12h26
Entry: 1h19
